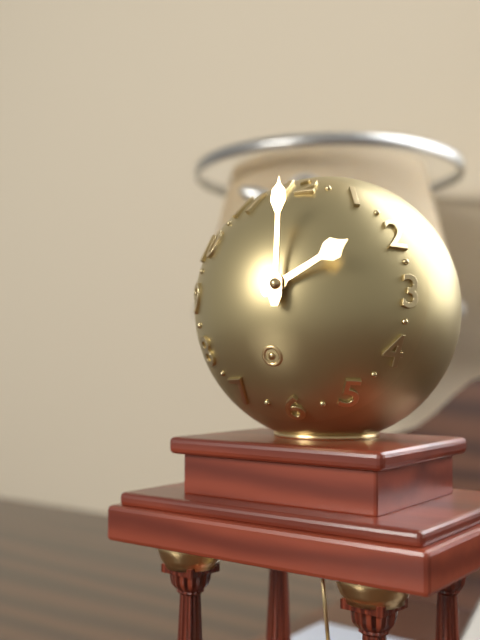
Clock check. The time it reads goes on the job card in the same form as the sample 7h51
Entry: 2h00
